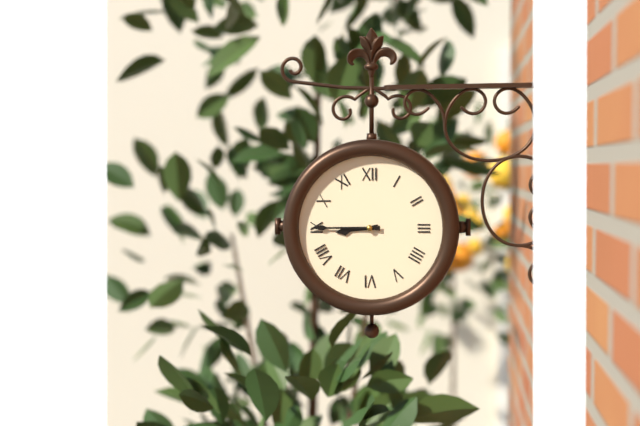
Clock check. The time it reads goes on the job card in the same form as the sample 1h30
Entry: 8h45
